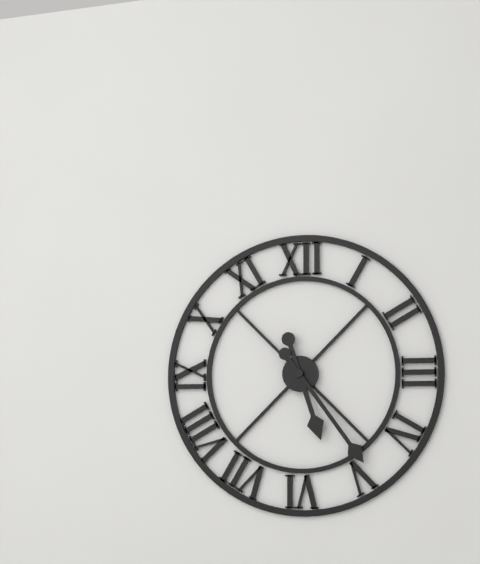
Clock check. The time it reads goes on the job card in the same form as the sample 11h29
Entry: 5h24
